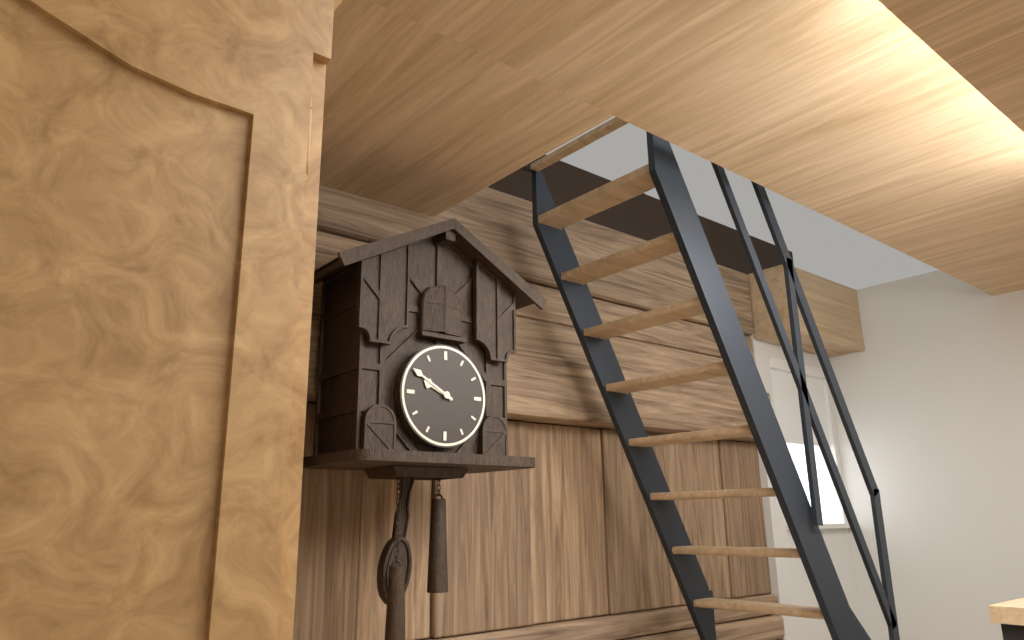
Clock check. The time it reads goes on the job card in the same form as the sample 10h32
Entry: 9h50
